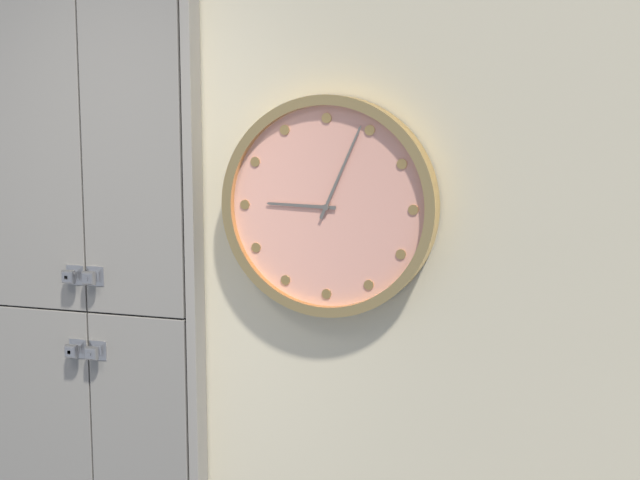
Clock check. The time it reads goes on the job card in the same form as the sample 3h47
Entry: 9h04
